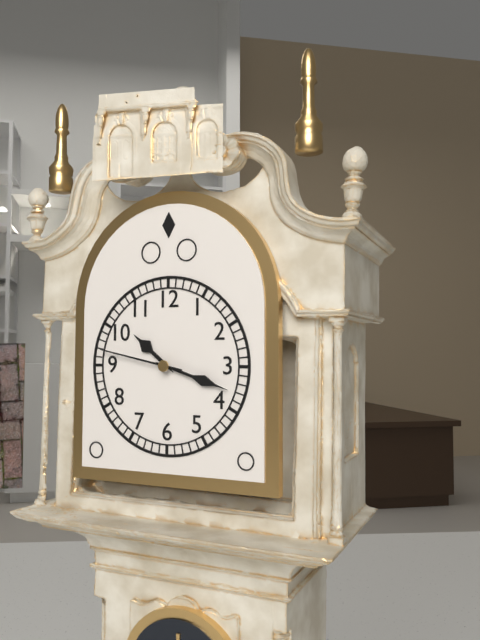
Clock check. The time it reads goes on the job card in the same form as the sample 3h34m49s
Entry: 10h18m47s
